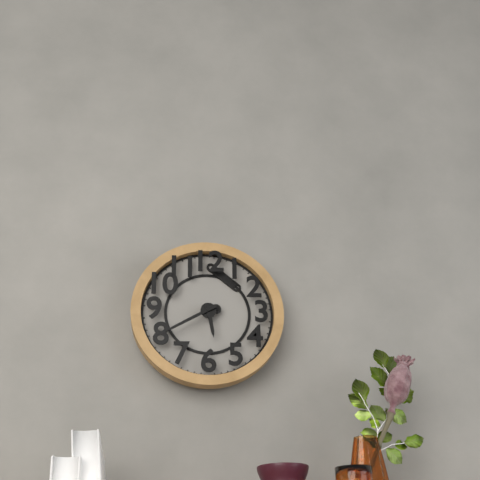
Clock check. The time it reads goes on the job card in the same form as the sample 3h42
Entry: 5h40
